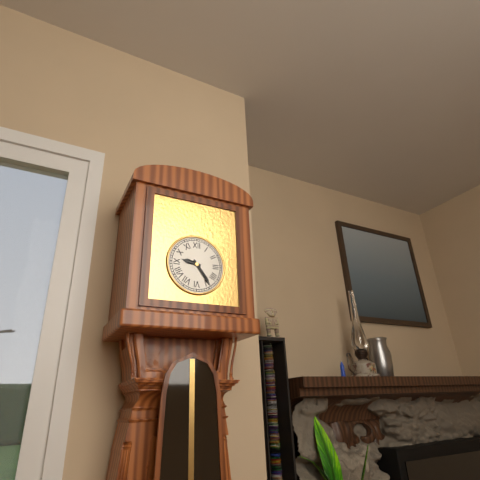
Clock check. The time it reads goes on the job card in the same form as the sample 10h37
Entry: 9h24
